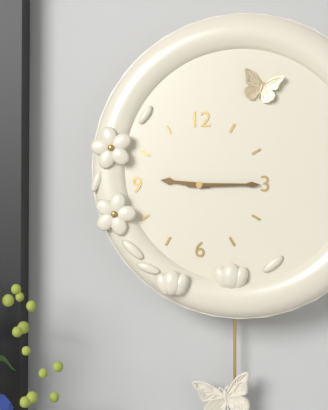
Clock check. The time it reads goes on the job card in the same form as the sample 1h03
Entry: 9h15
